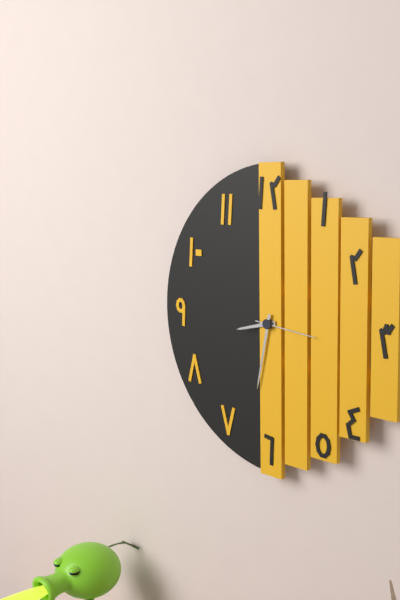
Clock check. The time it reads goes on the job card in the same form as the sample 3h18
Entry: 8h32
